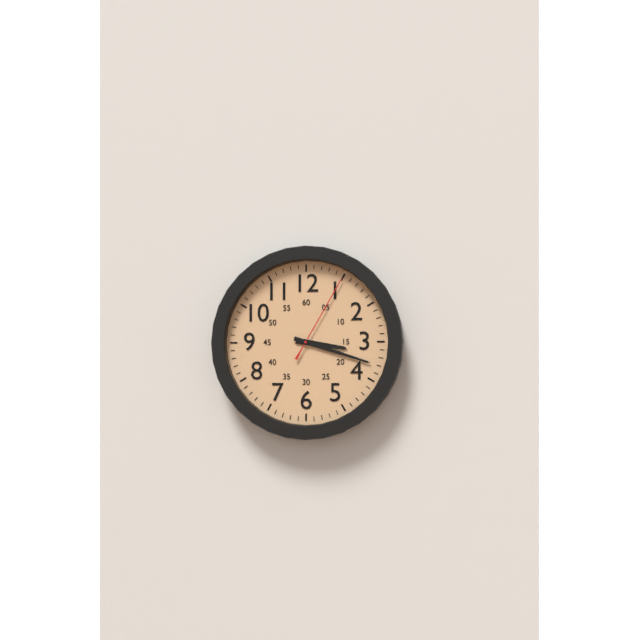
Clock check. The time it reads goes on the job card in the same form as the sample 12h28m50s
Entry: 3h18m05s
